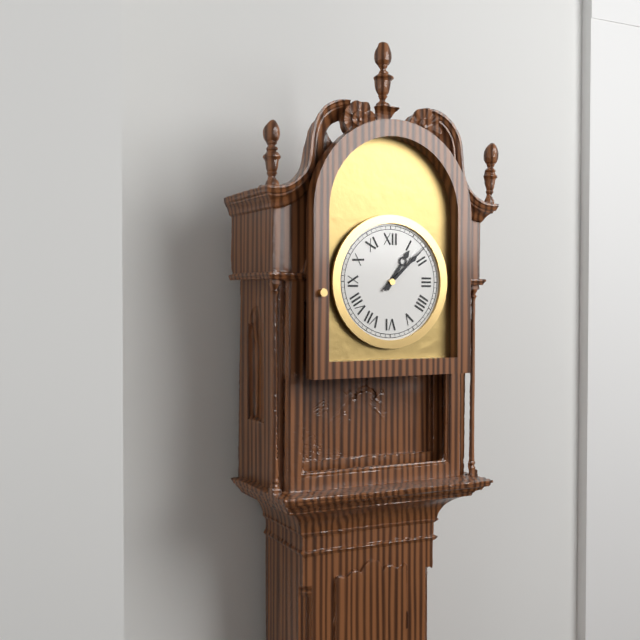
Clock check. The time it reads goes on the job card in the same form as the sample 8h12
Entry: 1h08
